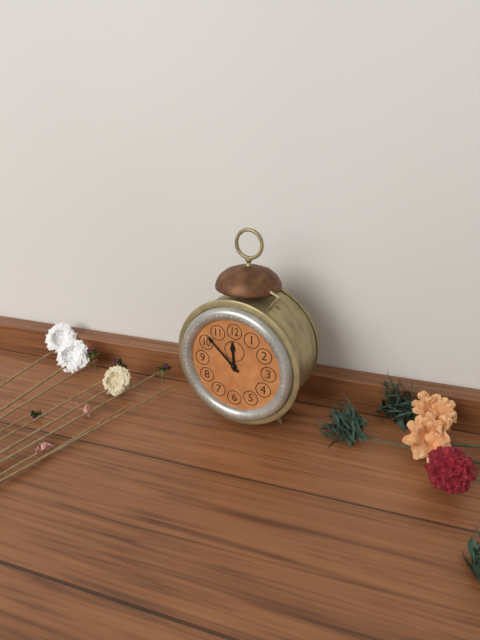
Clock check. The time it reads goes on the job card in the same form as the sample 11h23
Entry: 11h52
